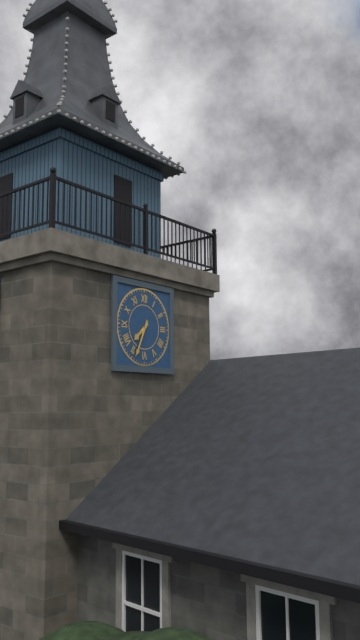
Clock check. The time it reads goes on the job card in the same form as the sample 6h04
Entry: 7h34
